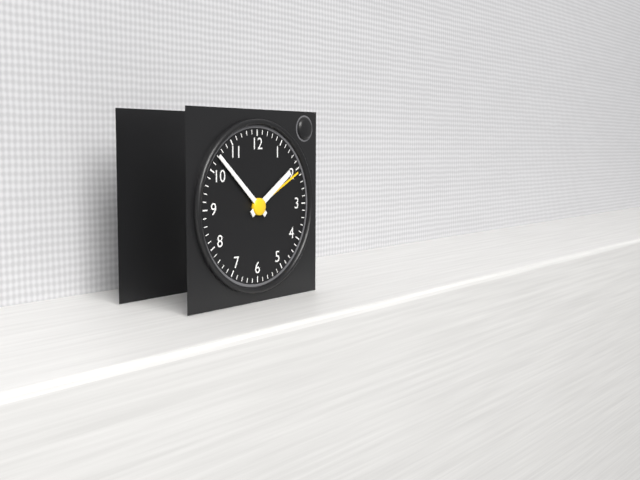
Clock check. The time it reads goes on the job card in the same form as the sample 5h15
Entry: 1h52
